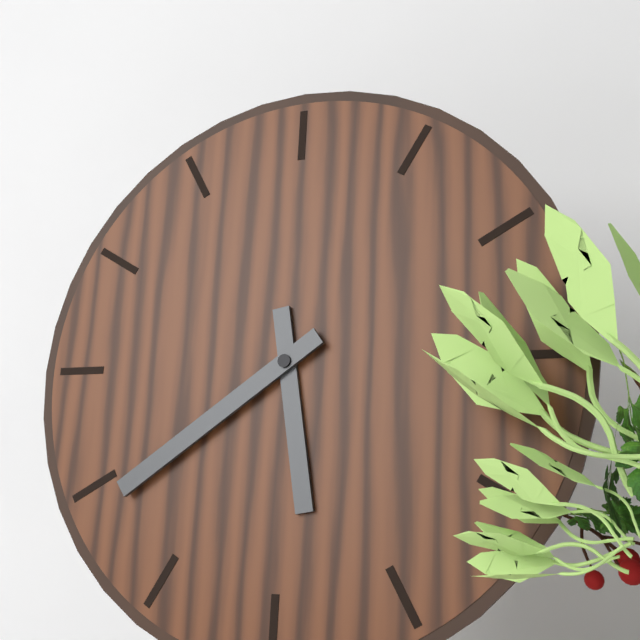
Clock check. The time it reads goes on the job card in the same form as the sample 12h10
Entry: 5h39
